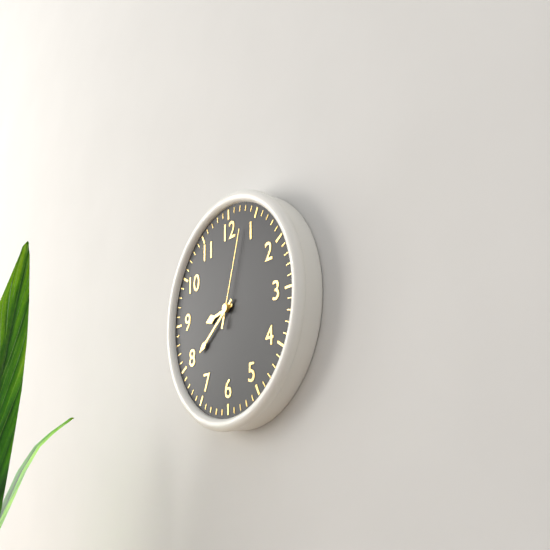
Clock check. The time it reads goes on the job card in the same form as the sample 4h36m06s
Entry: 8h39m03s
